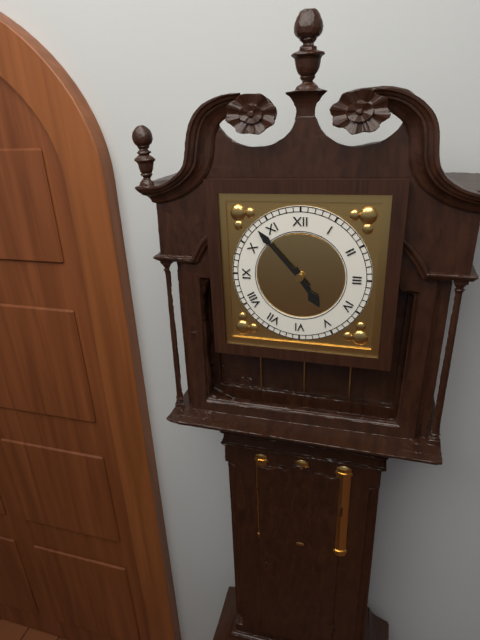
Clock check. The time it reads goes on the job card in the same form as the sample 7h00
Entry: 4h53
